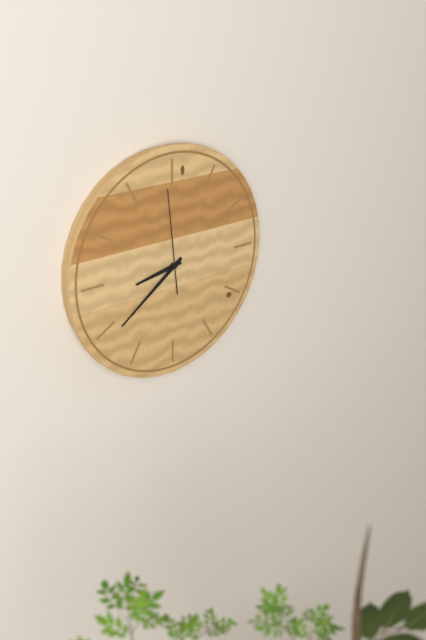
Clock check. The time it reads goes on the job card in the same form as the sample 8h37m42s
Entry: 8h39m59s
